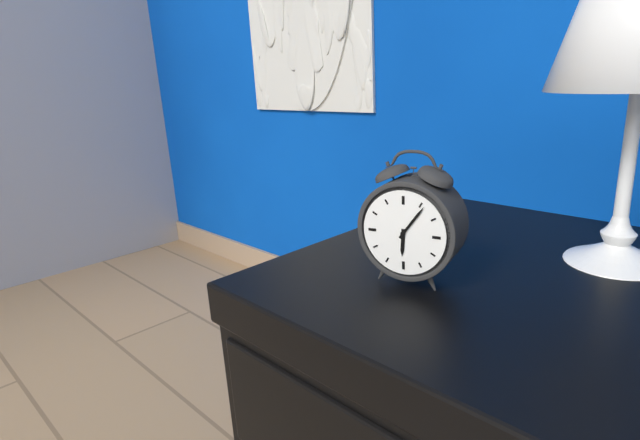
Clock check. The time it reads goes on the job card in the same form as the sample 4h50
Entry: 6h06
